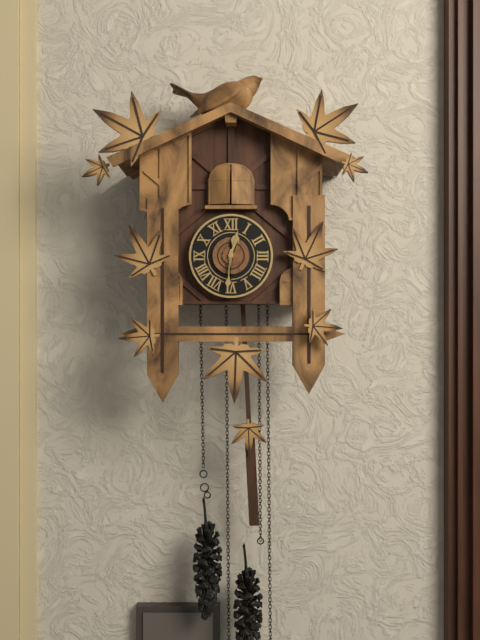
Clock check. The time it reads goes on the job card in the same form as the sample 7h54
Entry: 12h31
